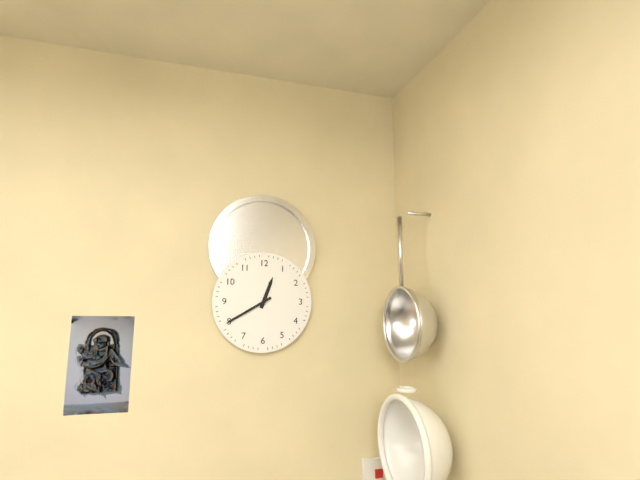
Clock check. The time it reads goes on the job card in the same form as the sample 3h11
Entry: 12h40
